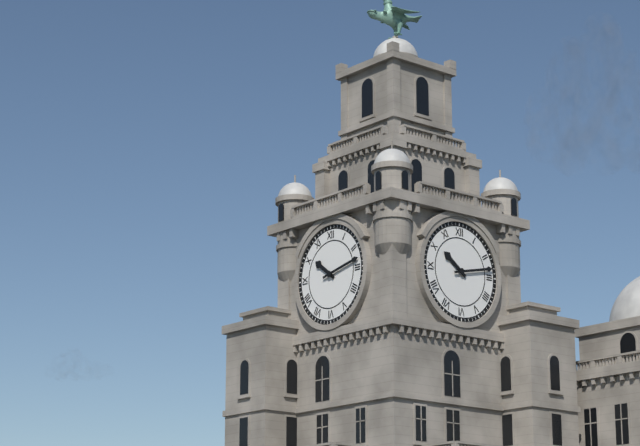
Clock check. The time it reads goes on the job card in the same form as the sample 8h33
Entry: 10h13
